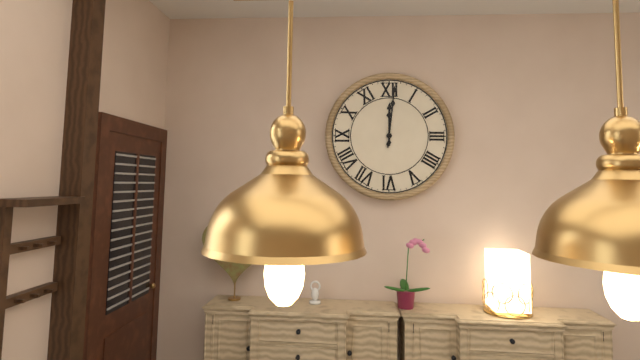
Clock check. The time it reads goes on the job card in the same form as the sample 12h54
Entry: 12h01
